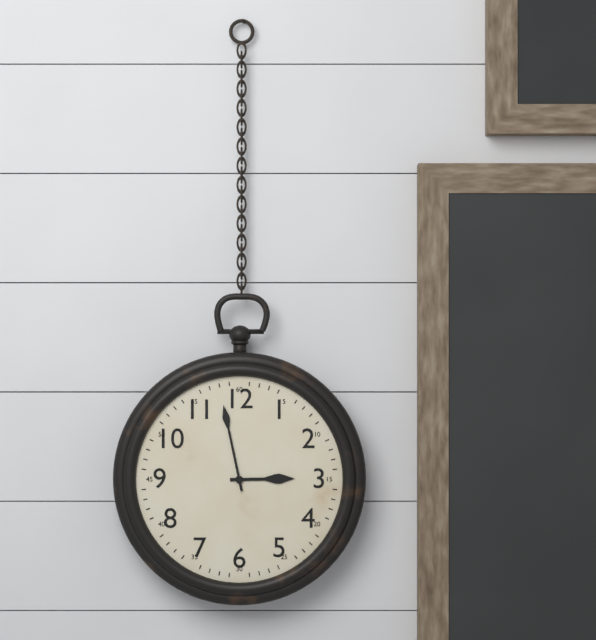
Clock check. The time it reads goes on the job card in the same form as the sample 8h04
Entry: 2h58
